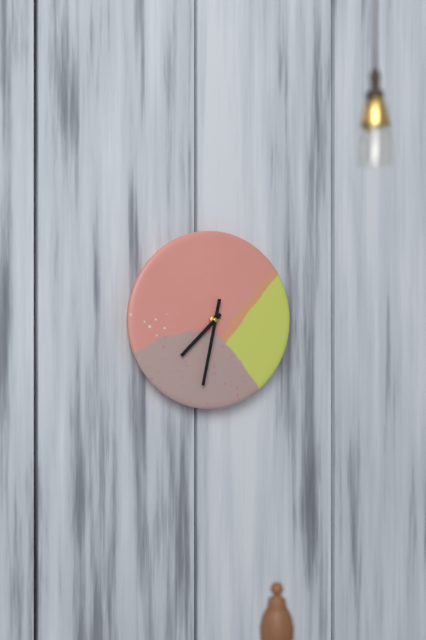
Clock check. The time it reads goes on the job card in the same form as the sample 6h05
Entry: 7h32
